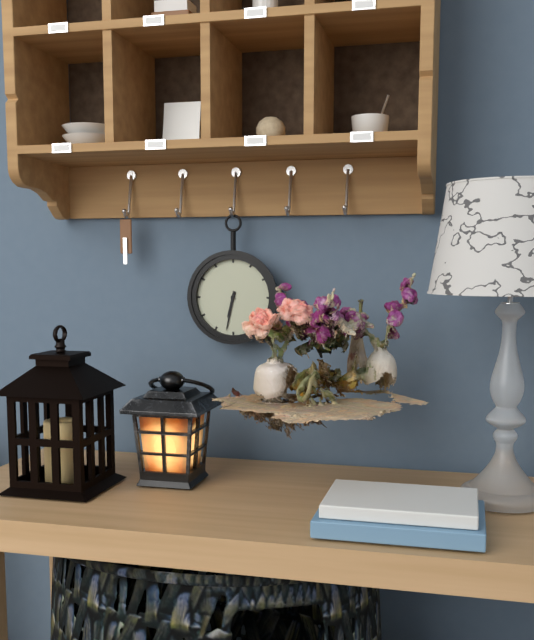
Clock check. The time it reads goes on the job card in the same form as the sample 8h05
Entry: 6h32
